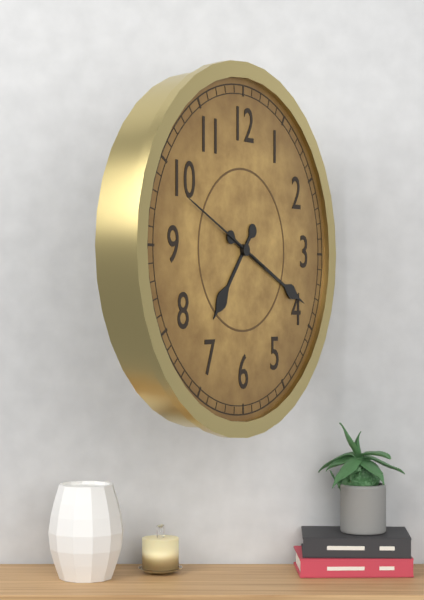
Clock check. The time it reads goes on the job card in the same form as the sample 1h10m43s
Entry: 7h19m49s
